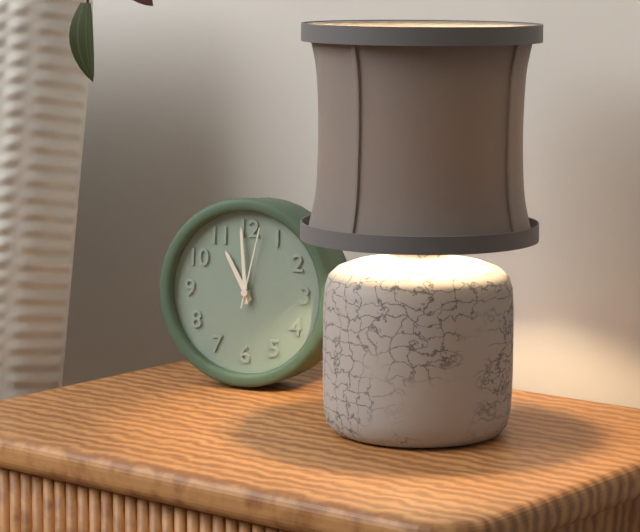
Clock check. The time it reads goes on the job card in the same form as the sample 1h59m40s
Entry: 10h59m02s
